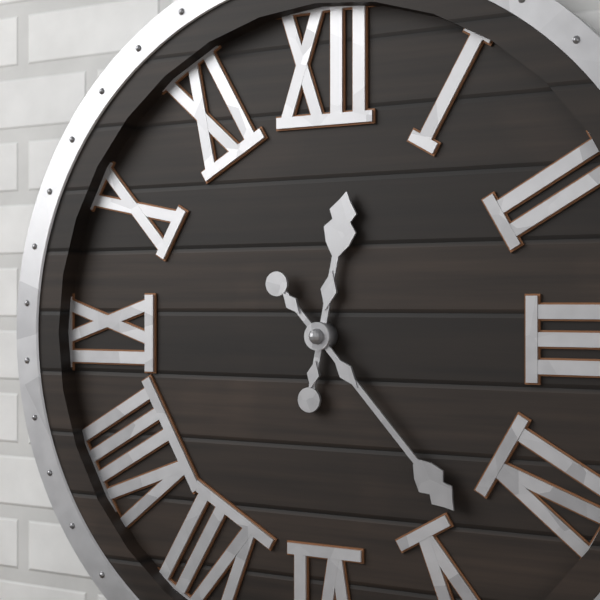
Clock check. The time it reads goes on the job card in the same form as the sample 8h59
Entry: 12h23
